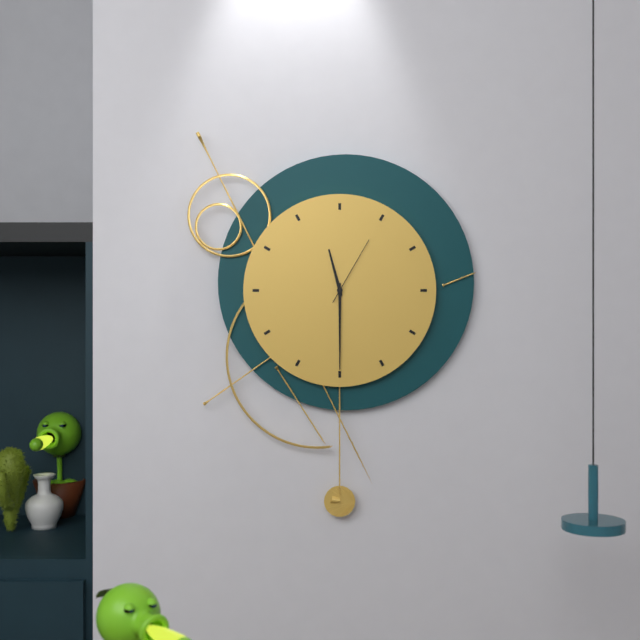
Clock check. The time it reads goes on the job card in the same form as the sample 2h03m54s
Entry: 11h30m05s
